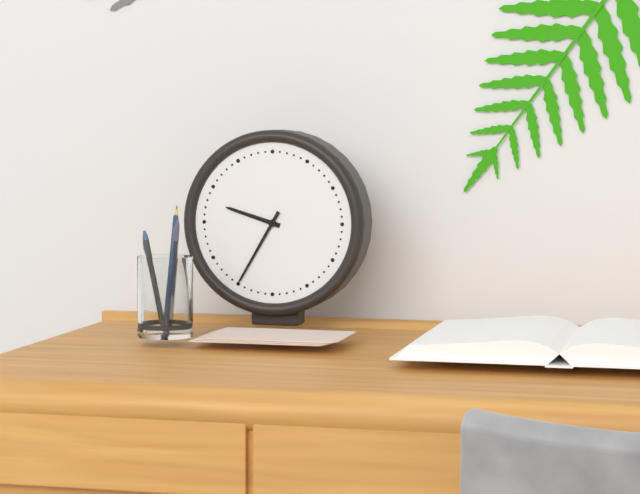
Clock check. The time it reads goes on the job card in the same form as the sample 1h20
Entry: 9h35
